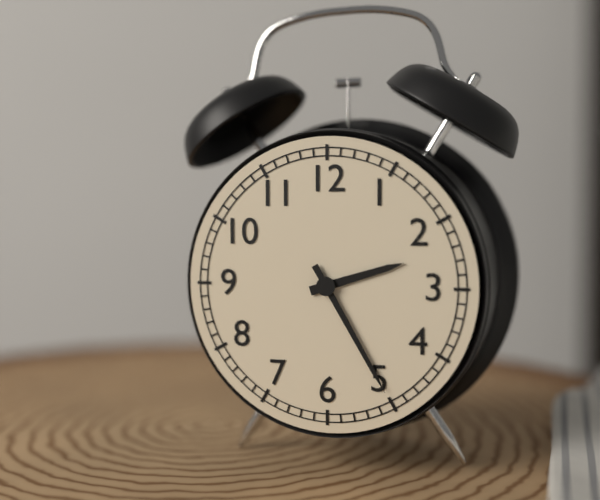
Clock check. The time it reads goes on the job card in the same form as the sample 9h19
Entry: 2h25
